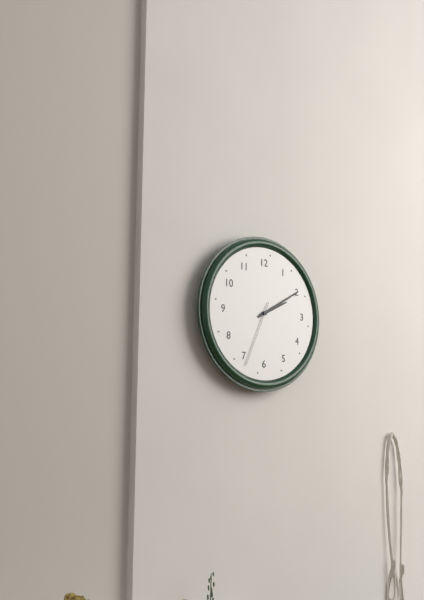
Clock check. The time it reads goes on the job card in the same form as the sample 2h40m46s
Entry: 2h10m34s
